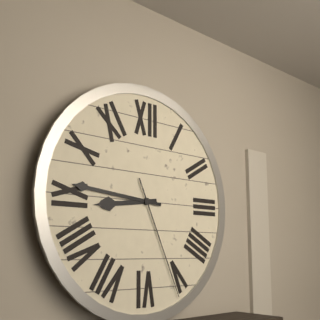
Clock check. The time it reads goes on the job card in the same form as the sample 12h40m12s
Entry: 8h46m26s
